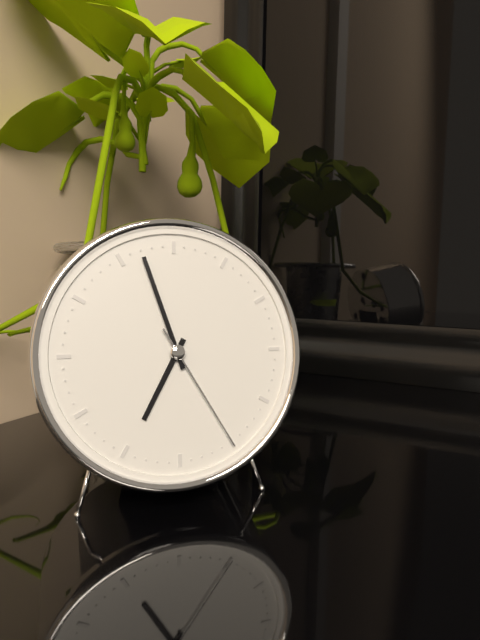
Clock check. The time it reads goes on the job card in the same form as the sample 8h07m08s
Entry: 6h57m25s
